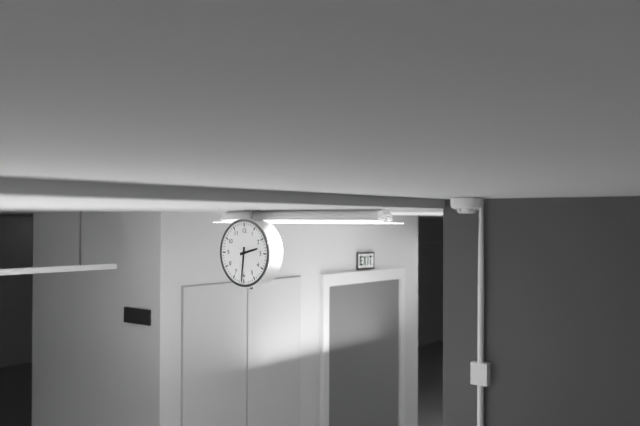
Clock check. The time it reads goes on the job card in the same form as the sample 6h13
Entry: 2h31
